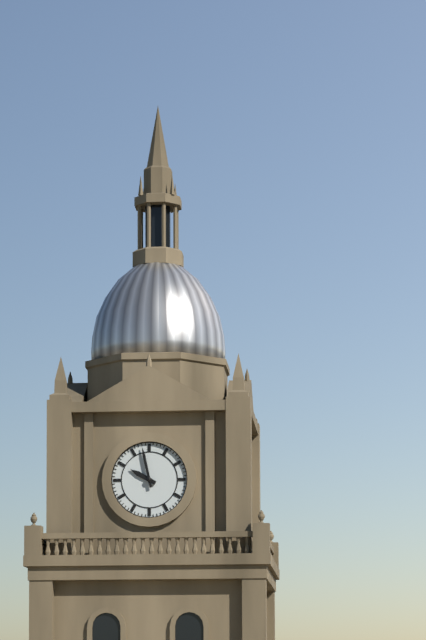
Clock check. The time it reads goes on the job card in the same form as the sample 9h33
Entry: 9h58
